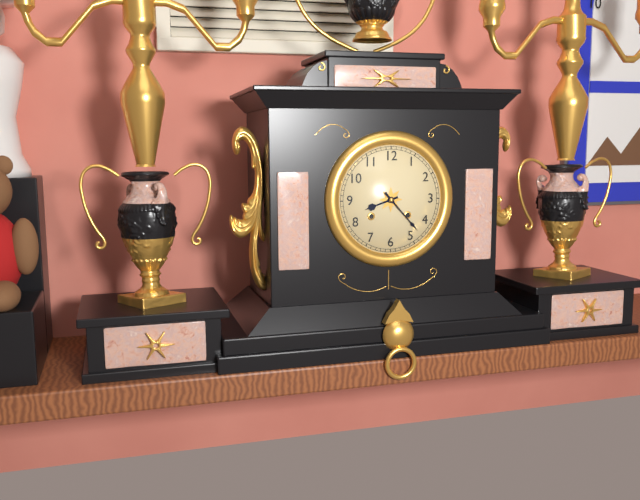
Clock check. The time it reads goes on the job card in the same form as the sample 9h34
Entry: 8h23
